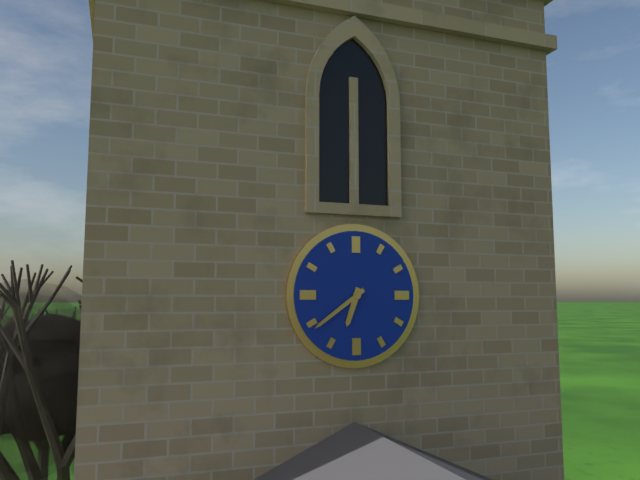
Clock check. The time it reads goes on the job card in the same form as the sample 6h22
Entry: 6h39
